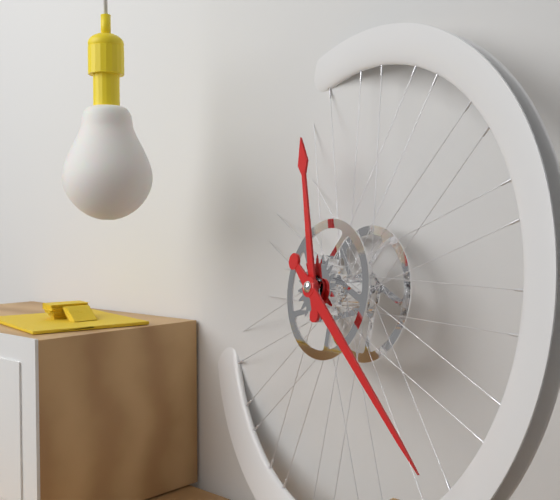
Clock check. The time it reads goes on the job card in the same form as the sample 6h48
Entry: 11h21
